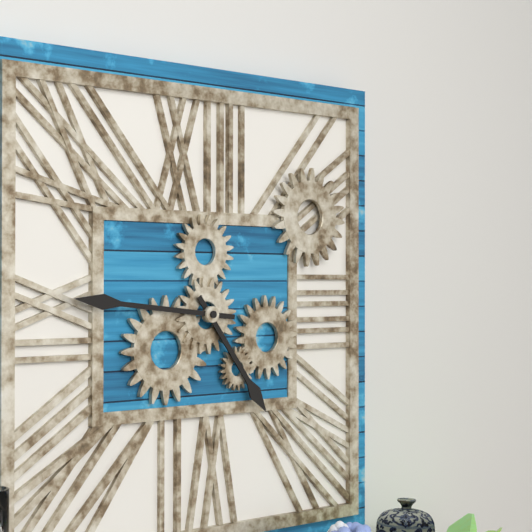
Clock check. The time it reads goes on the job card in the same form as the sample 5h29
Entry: 4h46
